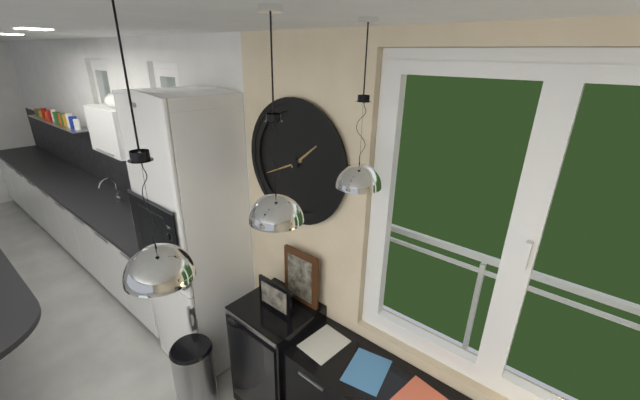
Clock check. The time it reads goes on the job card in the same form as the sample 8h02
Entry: 1h41
